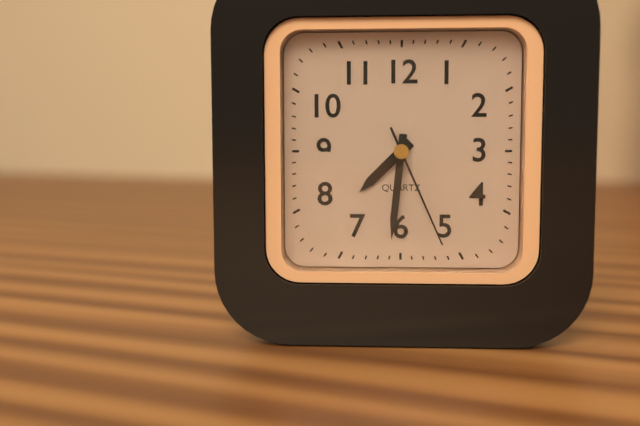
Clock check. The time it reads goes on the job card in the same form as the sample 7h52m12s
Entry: 7h31m26s
